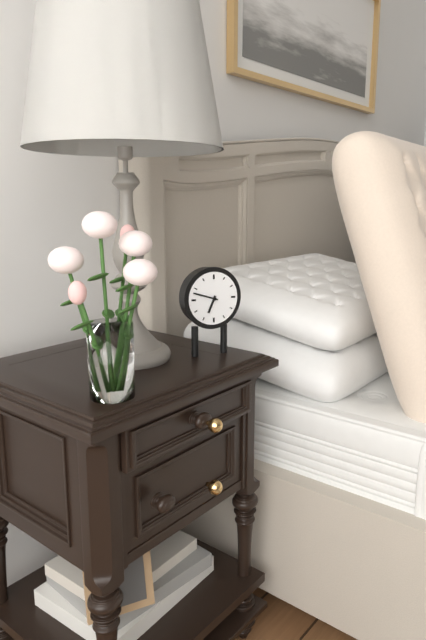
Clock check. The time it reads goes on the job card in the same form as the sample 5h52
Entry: 6h48
